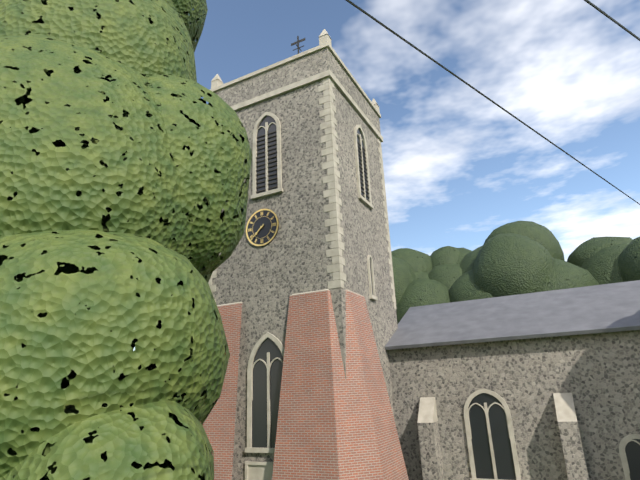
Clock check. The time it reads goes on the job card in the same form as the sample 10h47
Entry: 7h38
